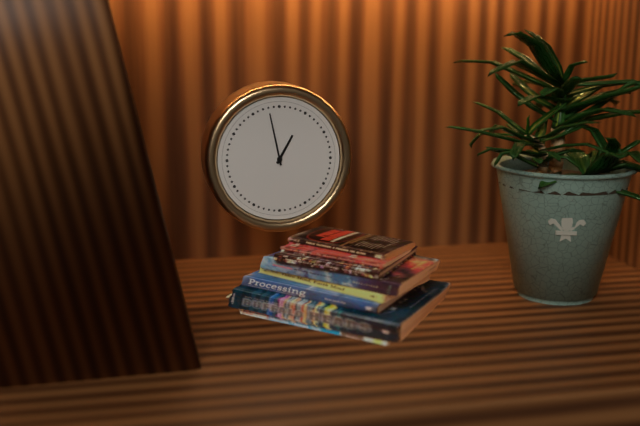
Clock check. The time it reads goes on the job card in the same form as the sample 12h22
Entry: 12h58
